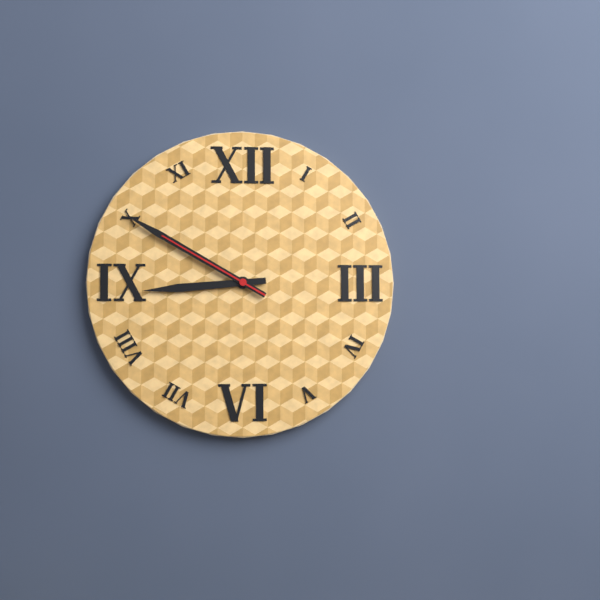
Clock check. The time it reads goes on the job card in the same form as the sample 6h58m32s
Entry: 8h50m50s
